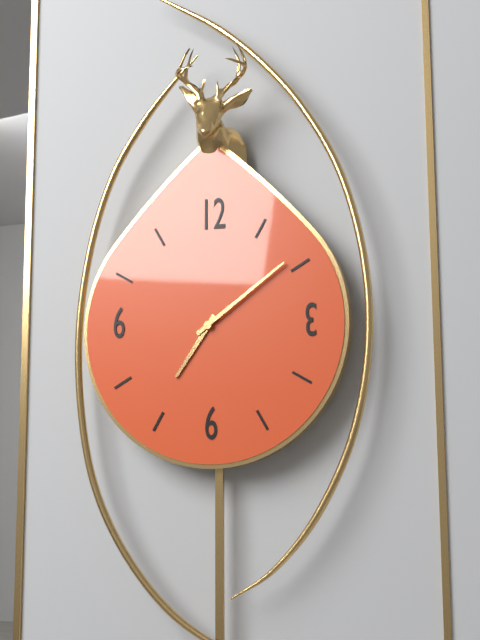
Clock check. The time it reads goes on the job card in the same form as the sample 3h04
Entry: 7h09
